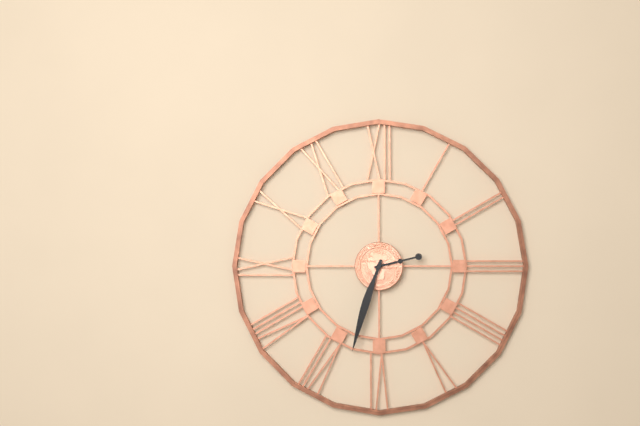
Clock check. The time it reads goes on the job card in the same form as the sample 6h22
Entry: 2h33
